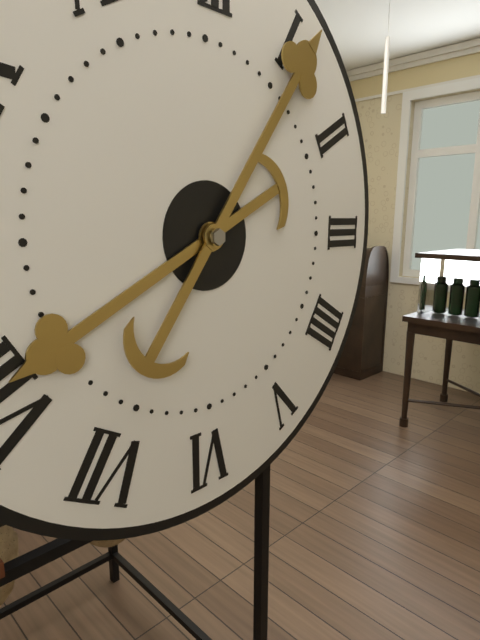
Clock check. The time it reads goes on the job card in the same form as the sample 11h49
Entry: 8h06
